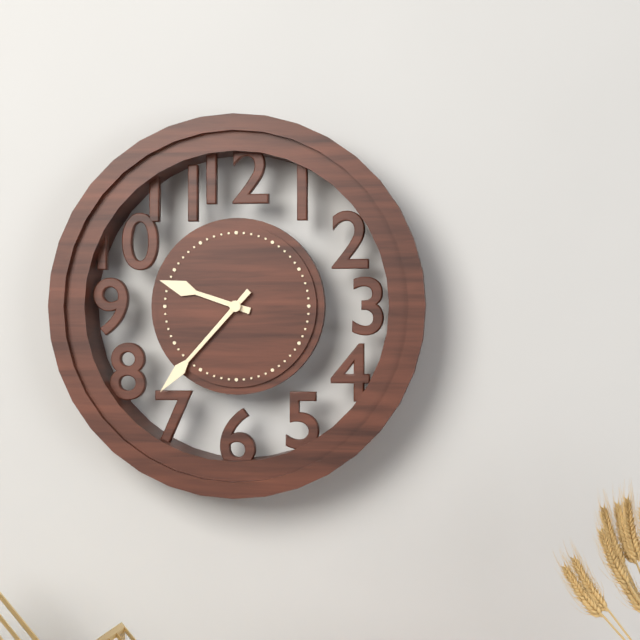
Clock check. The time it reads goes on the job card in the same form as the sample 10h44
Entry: 9h37
